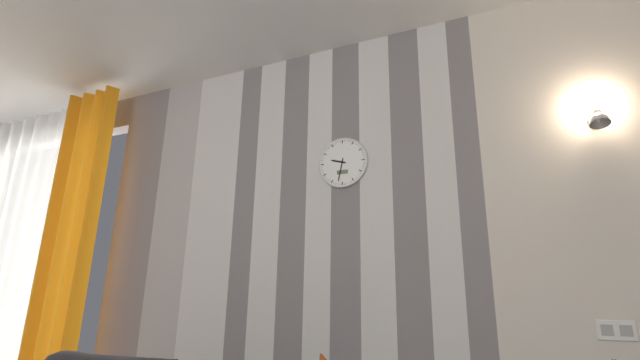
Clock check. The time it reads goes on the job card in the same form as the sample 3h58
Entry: 9h32
